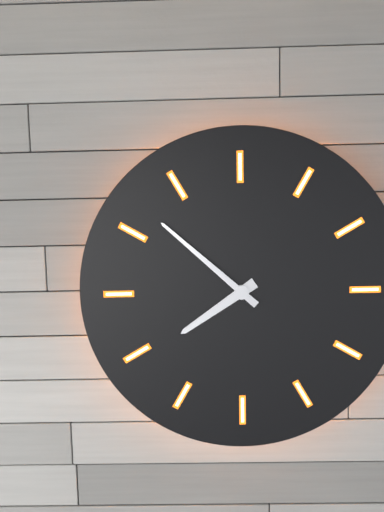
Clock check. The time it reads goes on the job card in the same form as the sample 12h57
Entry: 7h52
